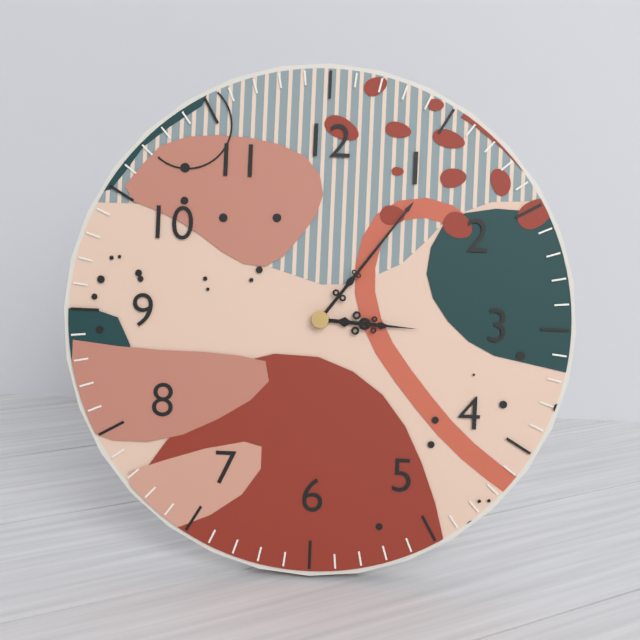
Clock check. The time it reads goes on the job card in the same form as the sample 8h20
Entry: 3h06
